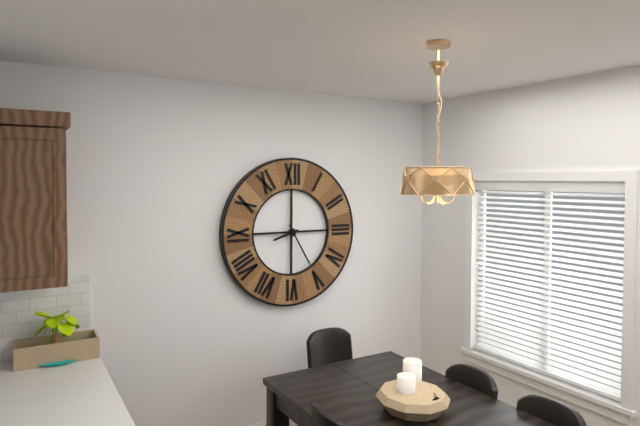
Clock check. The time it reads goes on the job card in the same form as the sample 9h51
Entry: 8h25
